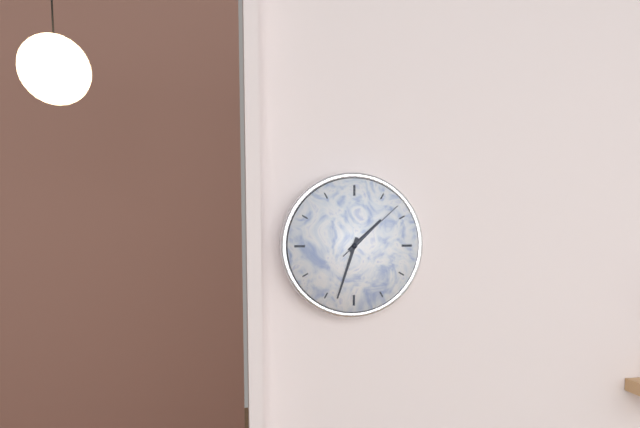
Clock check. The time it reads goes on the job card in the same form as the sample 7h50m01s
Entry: 1h33m08s
